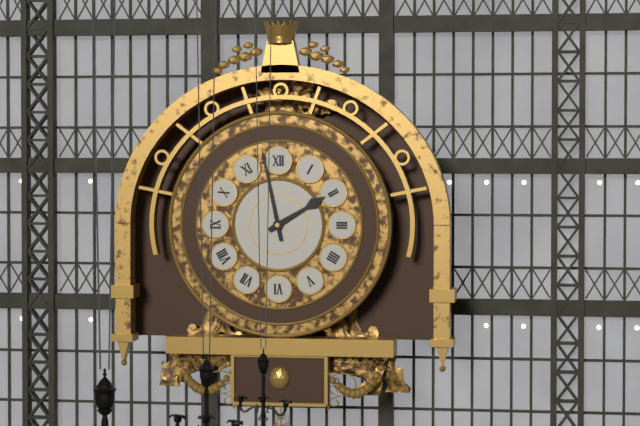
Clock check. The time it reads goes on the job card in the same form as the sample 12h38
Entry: 1h58
